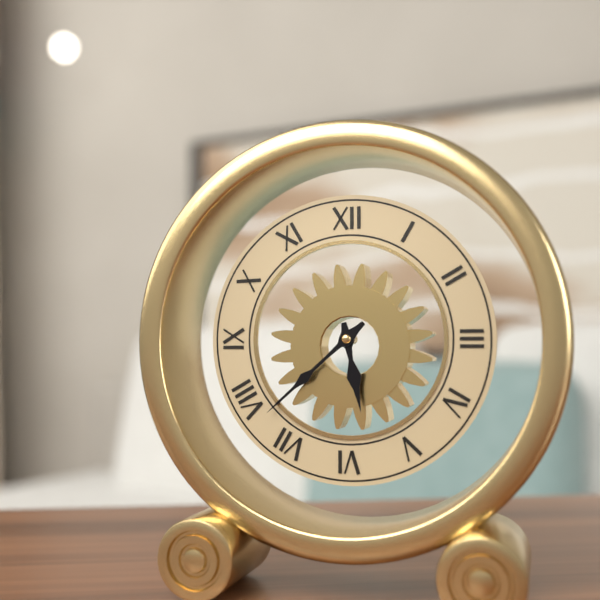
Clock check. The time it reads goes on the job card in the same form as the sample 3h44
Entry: 5h38
